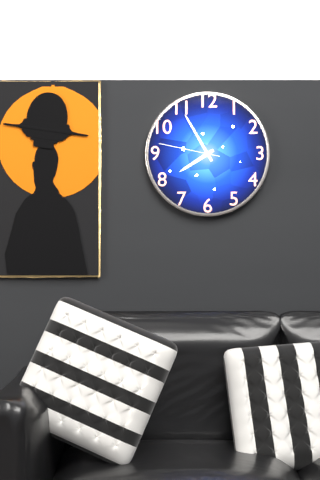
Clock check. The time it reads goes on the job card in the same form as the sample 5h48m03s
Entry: 7h55m47s
